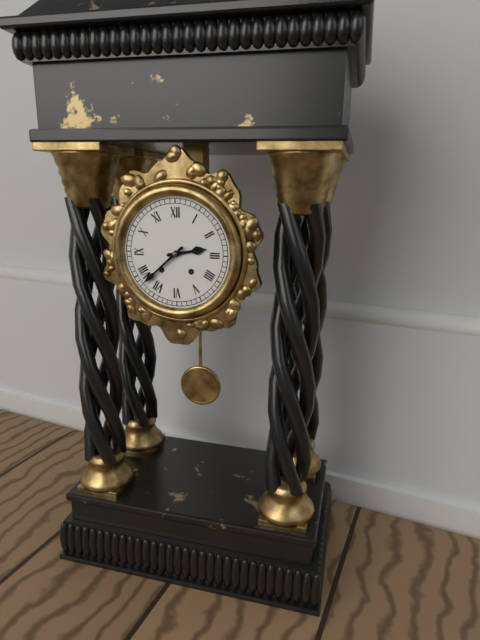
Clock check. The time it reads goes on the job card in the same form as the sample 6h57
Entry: 2h38
